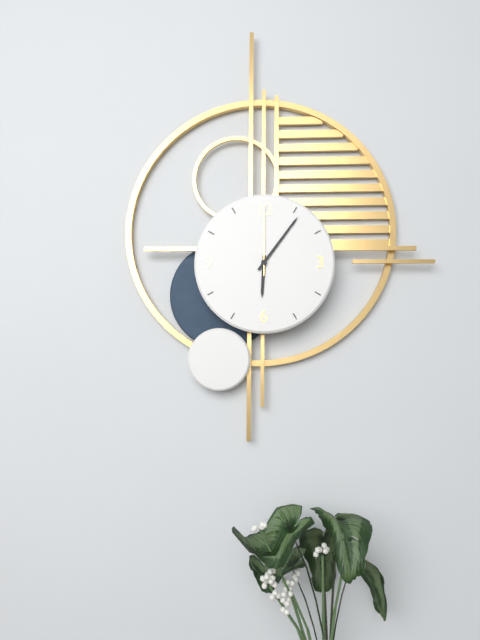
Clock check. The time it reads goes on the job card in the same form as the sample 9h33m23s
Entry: 6h06m00s
